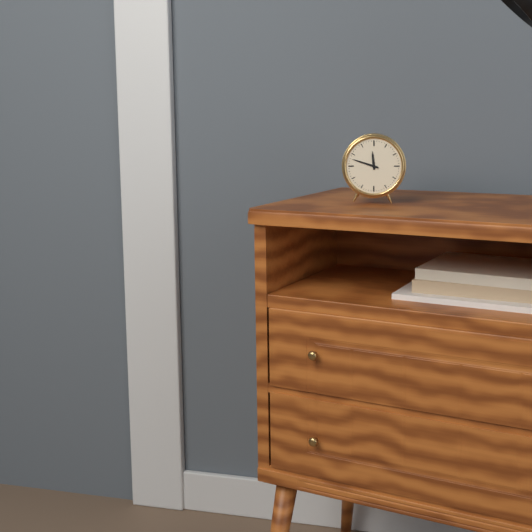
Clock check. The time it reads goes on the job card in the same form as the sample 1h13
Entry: 11h48
